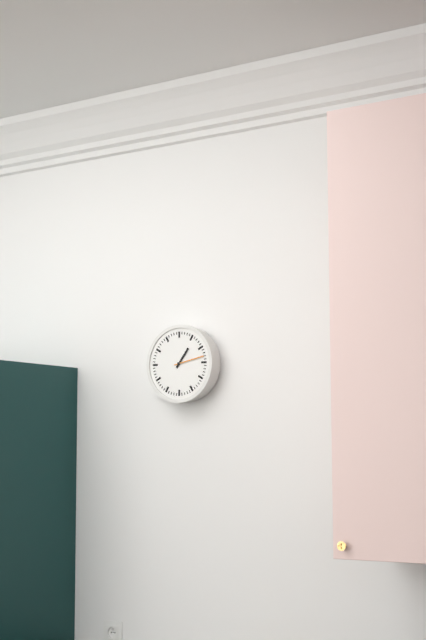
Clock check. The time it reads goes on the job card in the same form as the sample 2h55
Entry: 1h13
